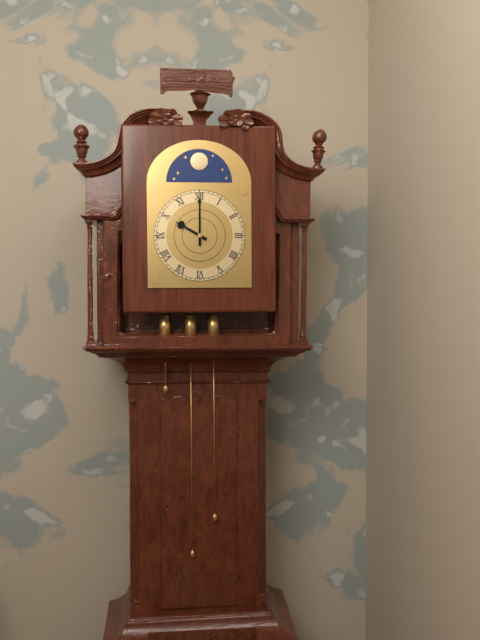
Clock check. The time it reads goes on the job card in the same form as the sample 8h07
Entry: 10h00
